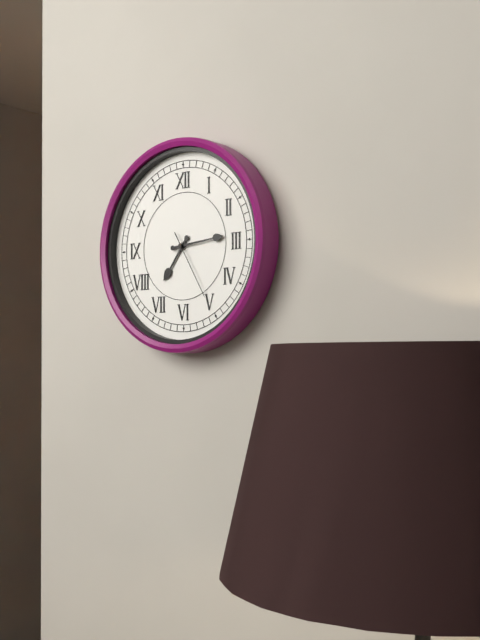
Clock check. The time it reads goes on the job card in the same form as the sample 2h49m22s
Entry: 7h14m25s
